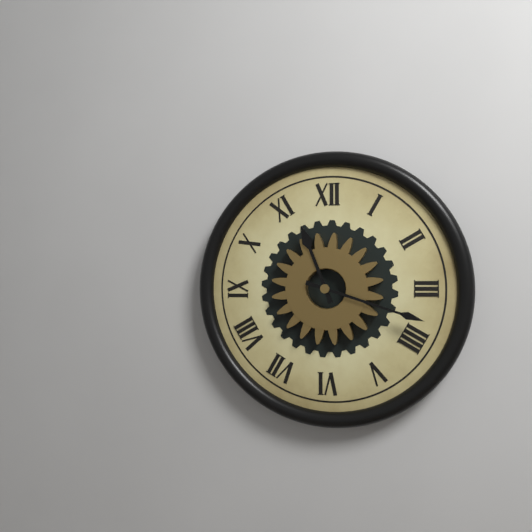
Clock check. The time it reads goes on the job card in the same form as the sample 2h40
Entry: 11h18
